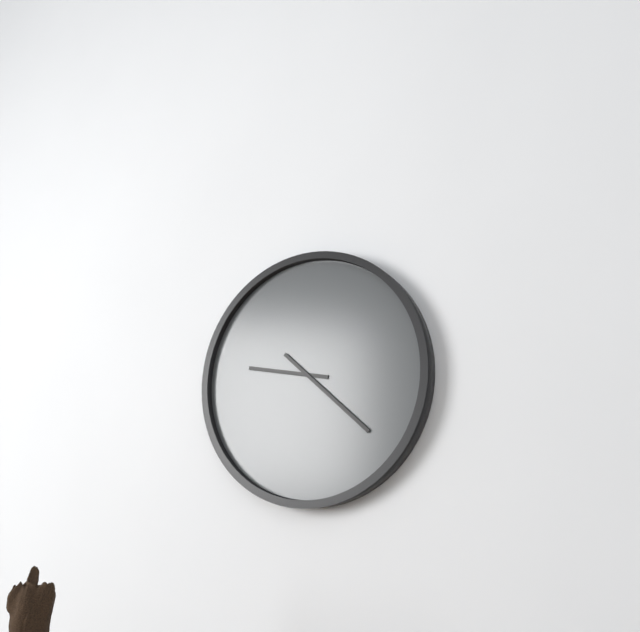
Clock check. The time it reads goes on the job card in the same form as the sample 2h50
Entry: 9h22
